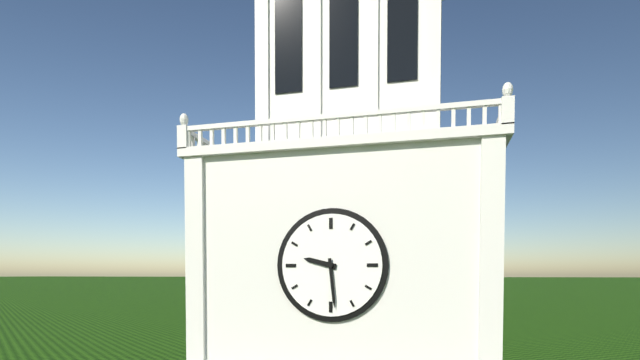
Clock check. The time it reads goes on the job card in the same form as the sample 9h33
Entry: 9h29
